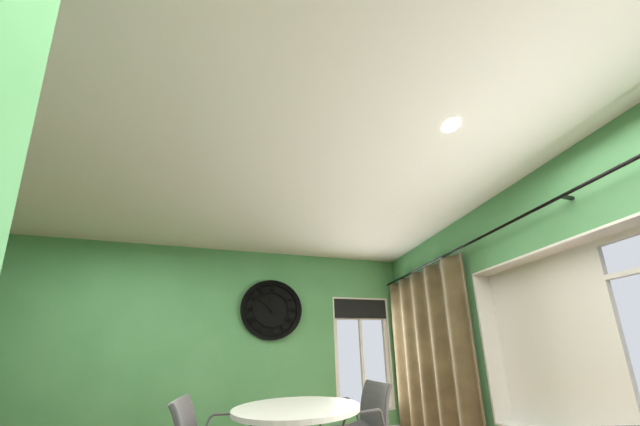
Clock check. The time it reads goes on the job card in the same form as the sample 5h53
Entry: 11h52
